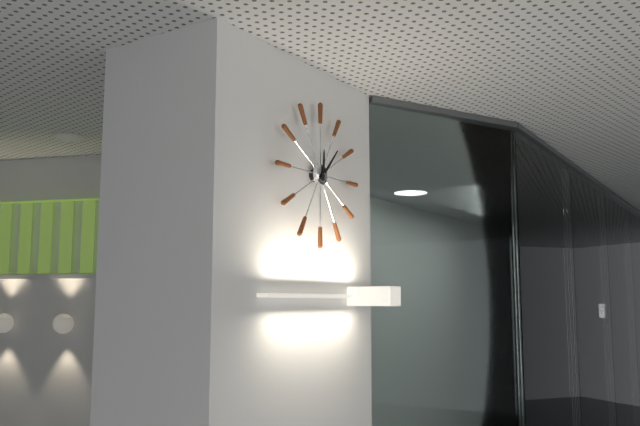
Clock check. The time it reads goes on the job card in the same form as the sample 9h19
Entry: 12h07
